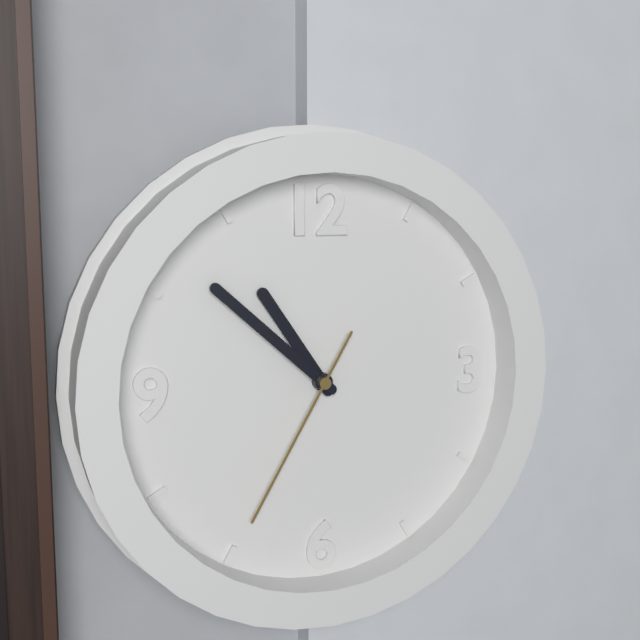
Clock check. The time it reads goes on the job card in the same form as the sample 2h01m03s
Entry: 10h52m35s
